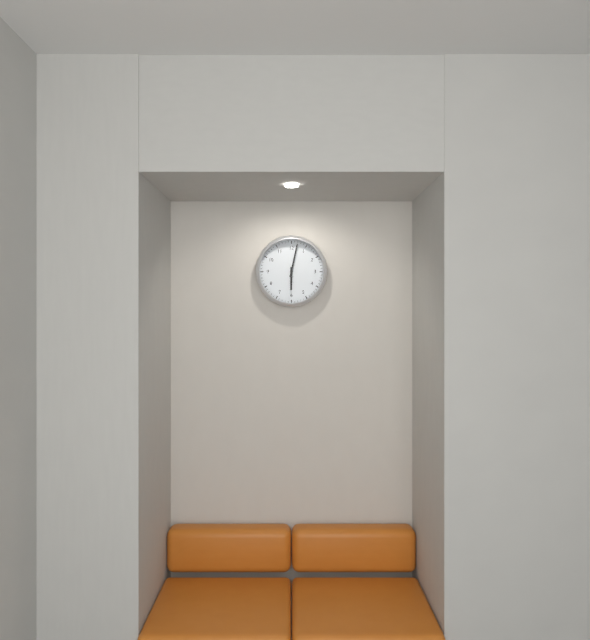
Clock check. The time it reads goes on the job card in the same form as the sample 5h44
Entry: 6h02
